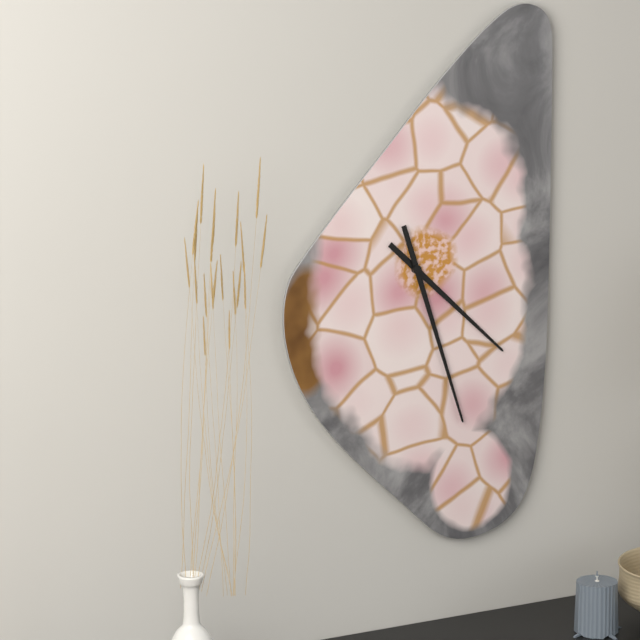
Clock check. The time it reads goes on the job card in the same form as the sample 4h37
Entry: 4h27
